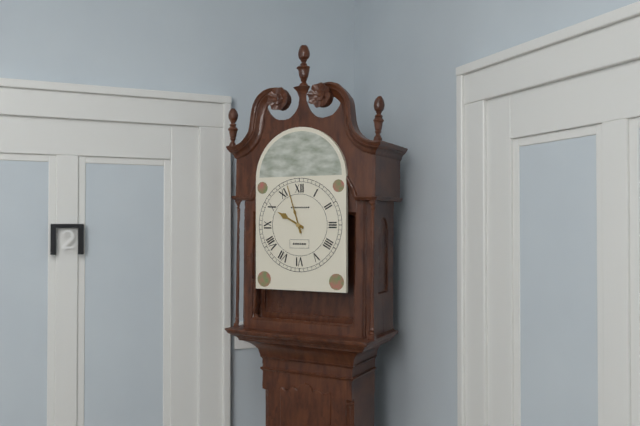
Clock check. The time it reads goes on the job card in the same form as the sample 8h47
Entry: 9h57
